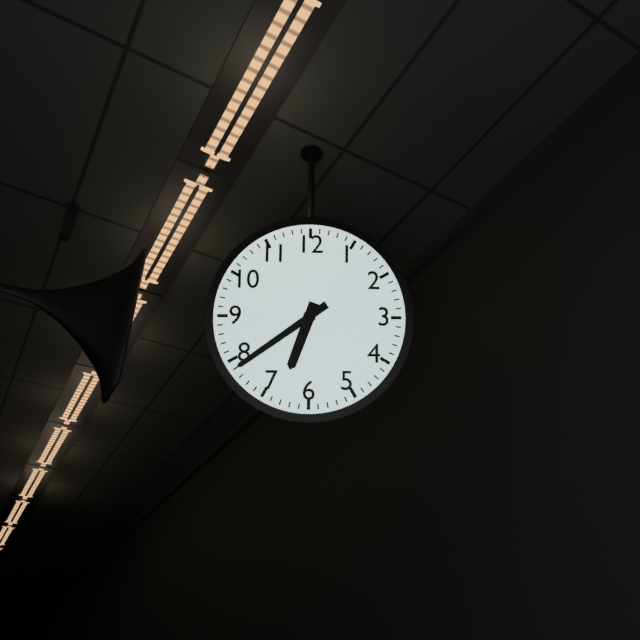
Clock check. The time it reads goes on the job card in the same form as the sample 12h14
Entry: 6h39
